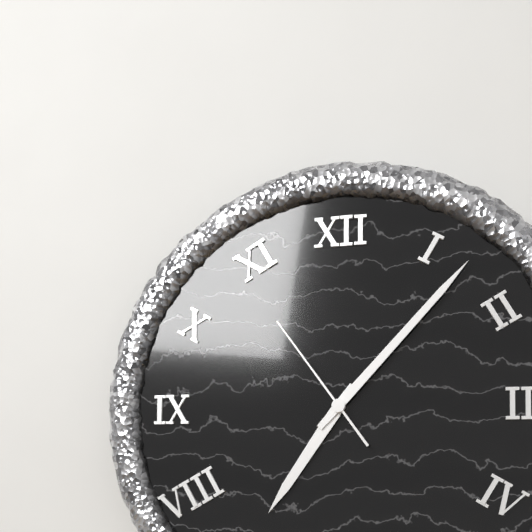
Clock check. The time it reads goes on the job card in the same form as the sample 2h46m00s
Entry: 7h07m54s
